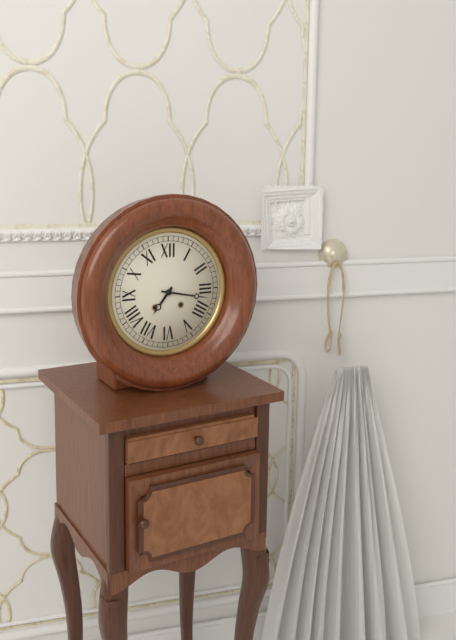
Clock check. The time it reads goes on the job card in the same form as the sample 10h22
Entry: 7h17
